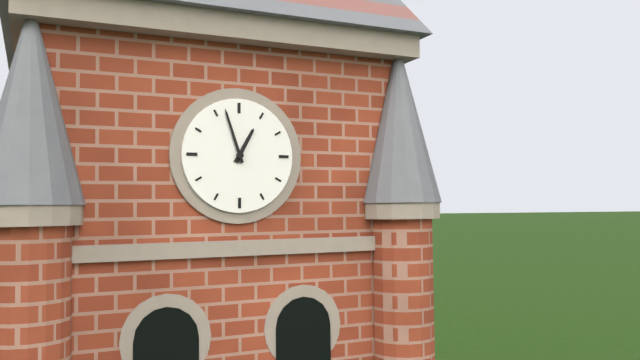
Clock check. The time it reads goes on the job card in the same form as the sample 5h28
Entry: 12h57
